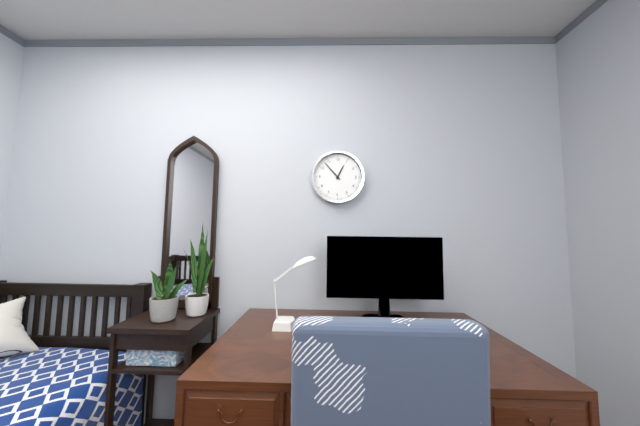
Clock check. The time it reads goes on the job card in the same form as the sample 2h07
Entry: 12h53
